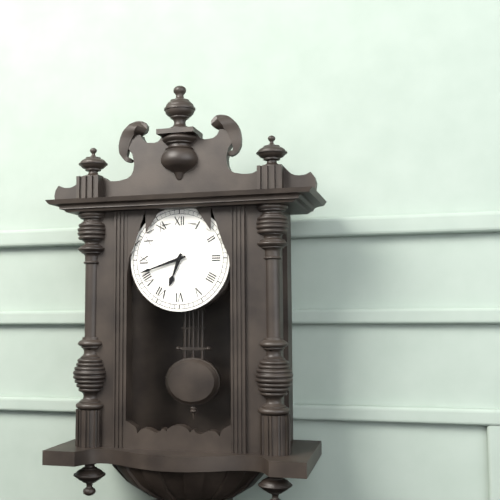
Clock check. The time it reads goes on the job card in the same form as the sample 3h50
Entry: 6h42
